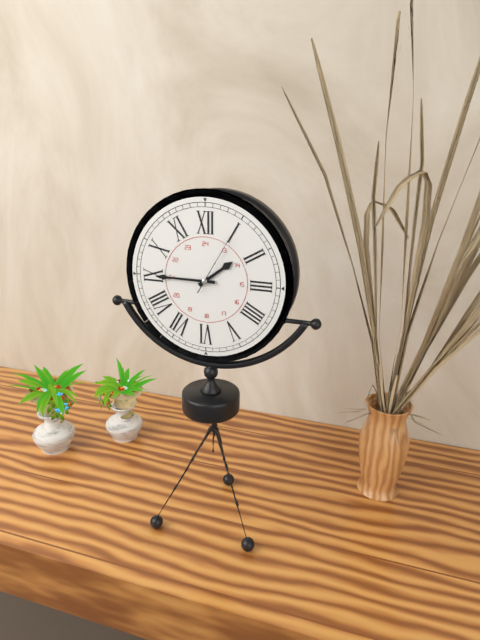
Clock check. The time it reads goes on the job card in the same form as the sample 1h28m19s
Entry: 1h45m05s
